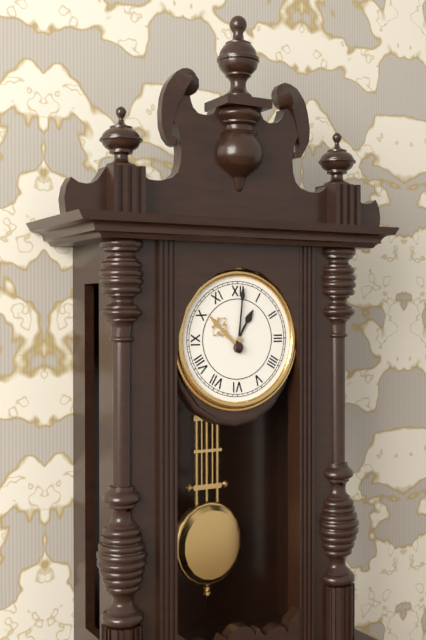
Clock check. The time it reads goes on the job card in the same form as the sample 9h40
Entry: 1h01
